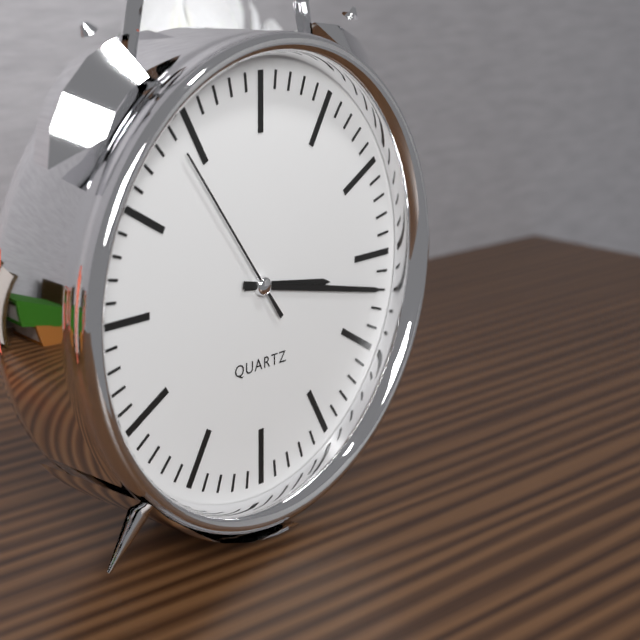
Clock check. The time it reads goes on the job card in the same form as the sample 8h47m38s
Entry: 3h17m54s
